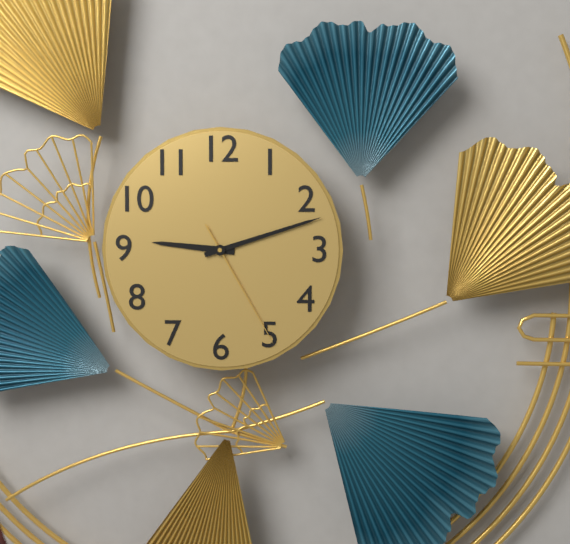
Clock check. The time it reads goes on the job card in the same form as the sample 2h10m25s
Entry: 9h12m25s
